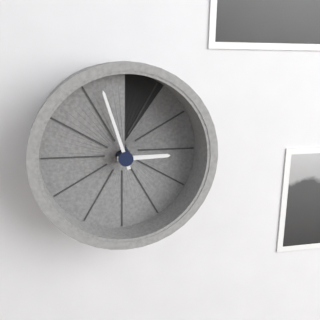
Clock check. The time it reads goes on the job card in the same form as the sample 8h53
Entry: 2h57
